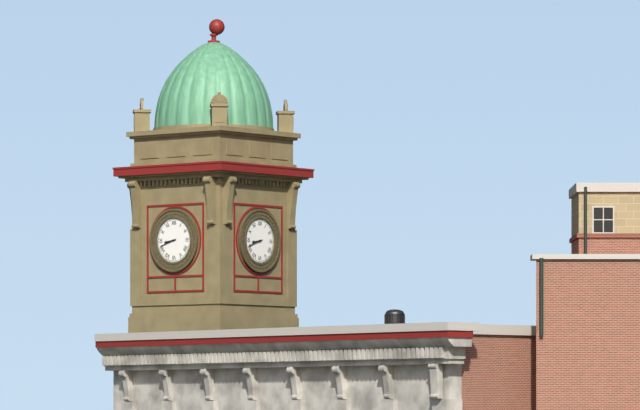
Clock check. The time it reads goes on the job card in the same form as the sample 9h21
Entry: 8h42
